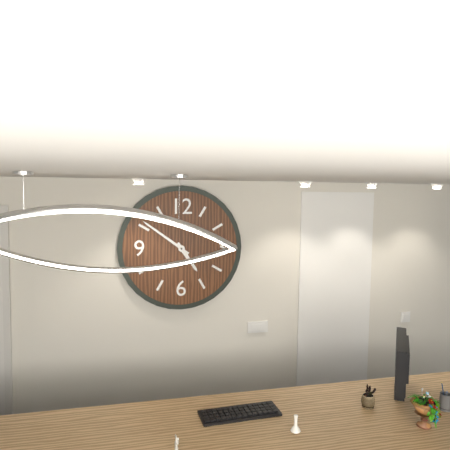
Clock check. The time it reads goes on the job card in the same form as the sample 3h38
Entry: 4h51
